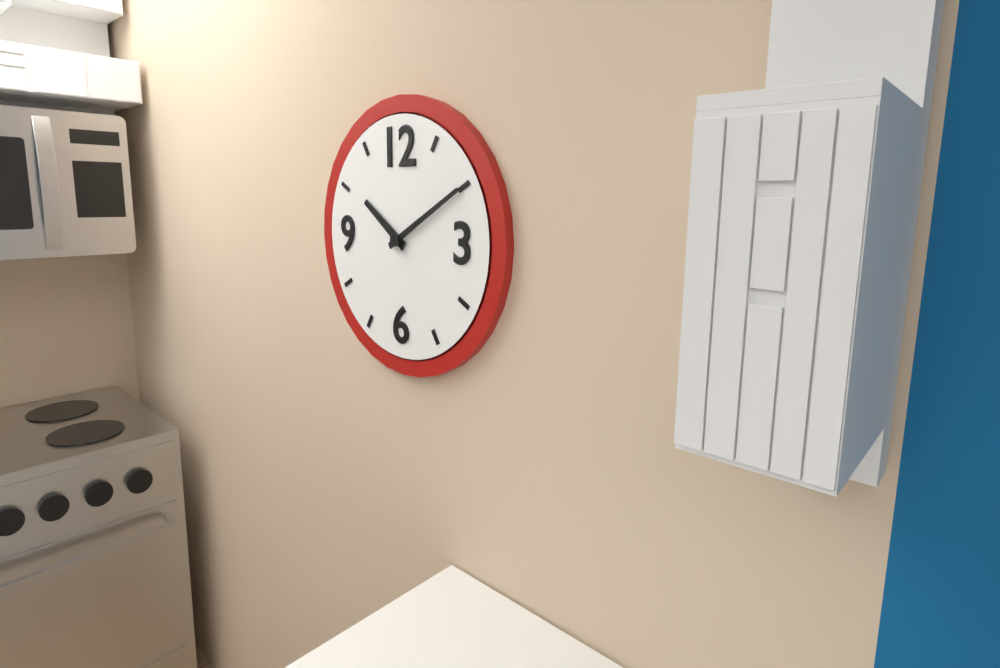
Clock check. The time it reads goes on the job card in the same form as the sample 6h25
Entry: 10h10
